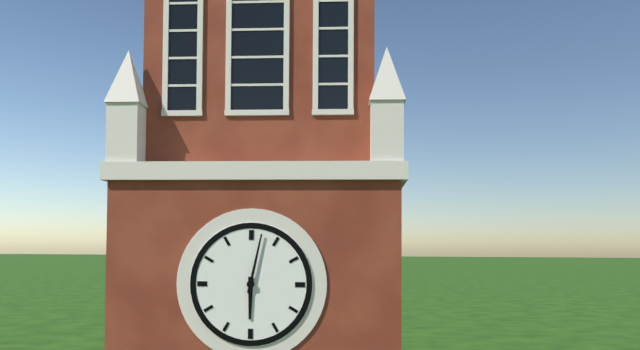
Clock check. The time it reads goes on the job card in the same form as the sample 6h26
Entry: 6h02
